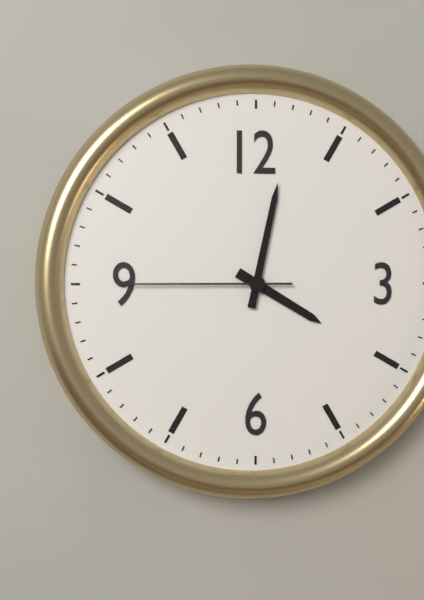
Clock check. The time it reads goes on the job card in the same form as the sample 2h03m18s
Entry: 4h02m45s
